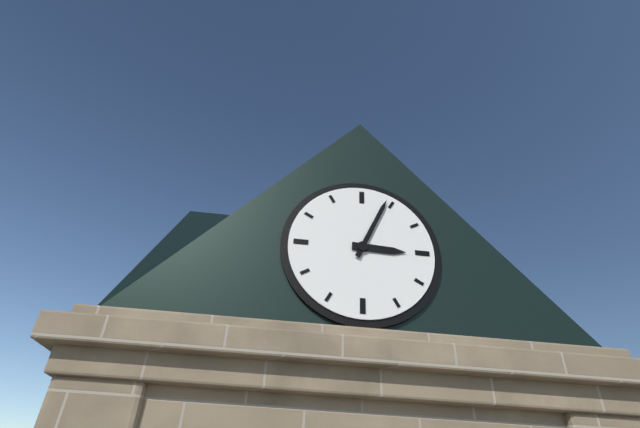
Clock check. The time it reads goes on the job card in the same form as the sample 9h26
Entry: 3h04
